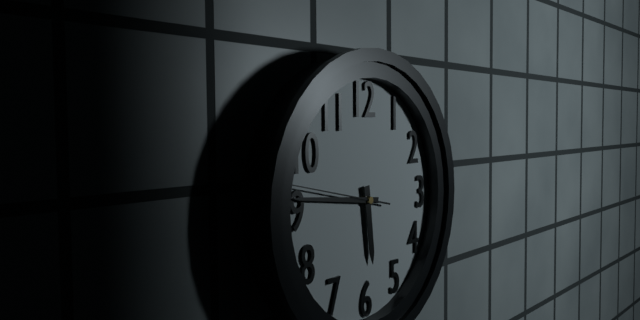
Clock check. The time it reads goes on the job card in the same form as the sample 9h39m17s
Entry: 5h46m47s
